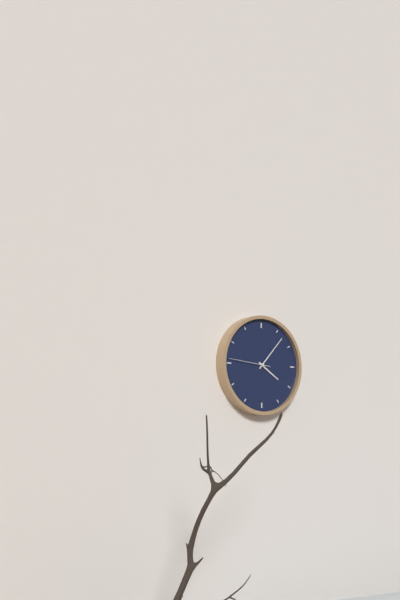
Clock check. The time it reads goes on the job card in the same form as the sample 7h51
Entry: 4h07
